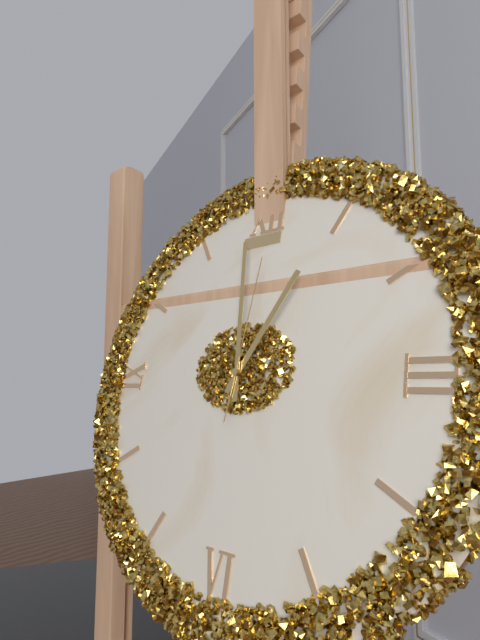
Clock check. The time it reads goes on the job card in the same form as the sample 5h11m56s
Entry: 12h59m01s
